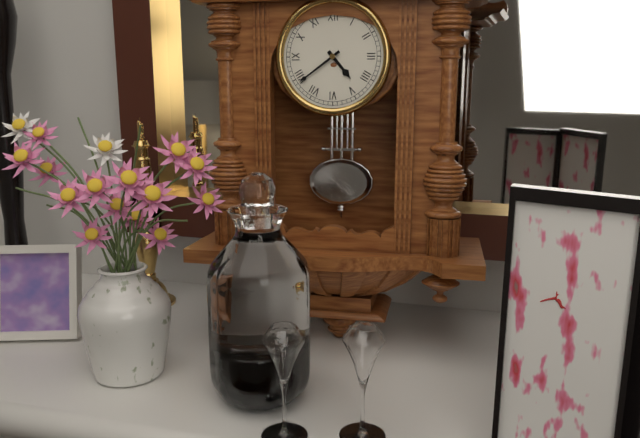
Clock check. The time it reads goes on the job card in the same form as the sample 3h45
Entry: 4h39
